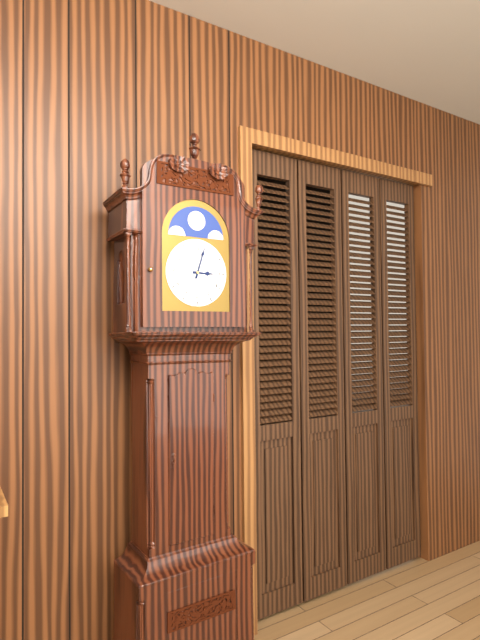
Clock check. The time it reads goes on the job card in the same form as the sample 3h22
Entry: 3h03
